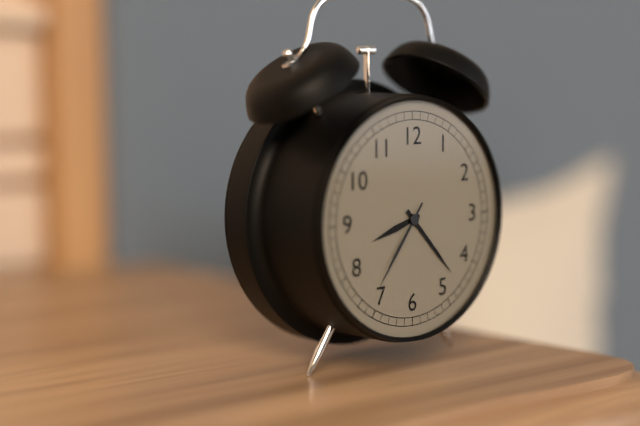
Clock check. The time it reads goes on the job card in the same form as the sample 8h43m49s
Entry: 8h23m36s
